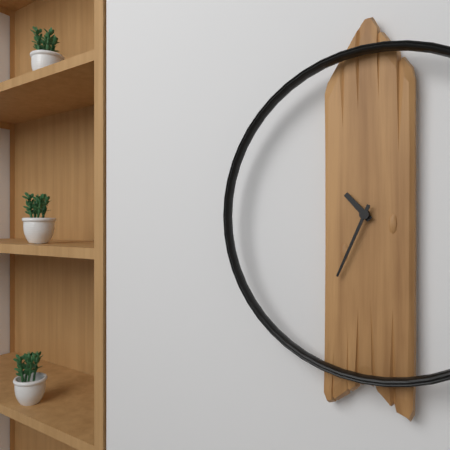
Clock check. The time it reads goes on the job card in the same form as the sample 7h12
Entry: 10h34
